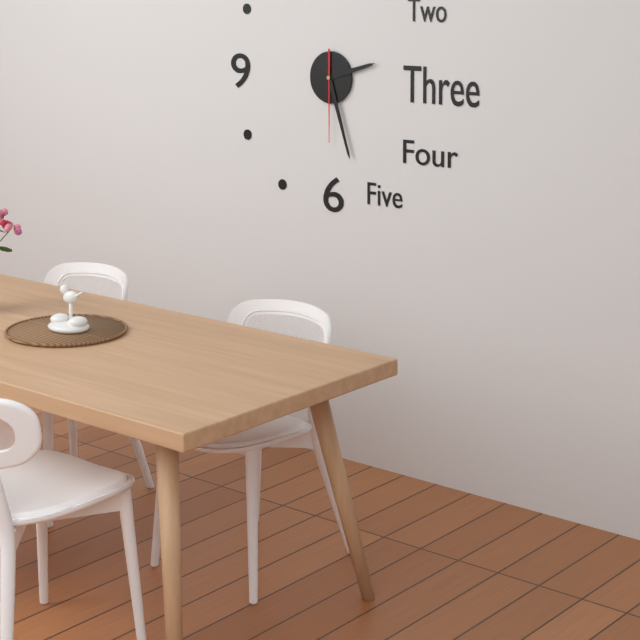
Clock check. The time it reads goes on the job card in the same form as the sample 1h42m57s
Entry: 2h27m30s
